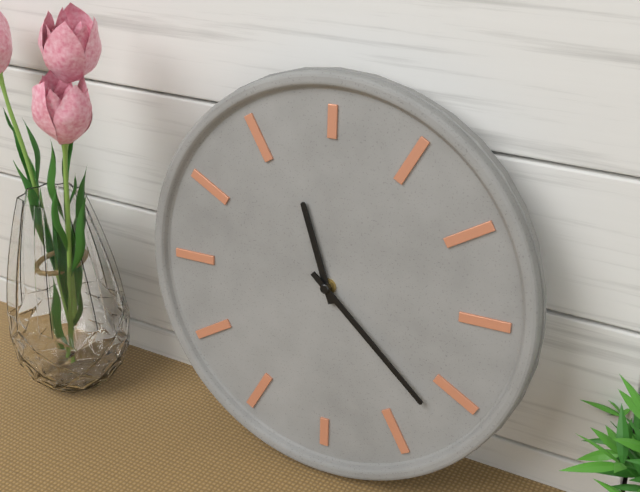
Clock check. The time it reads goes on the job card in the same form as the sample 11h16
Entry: 11h22
